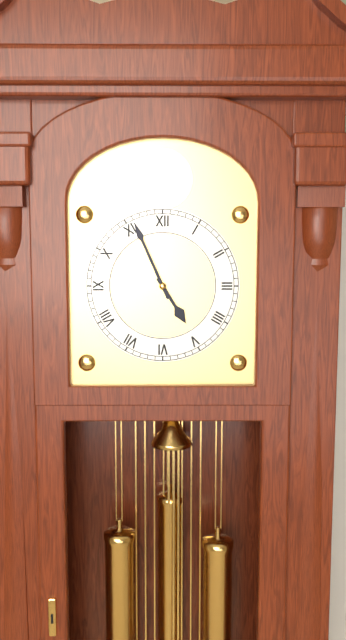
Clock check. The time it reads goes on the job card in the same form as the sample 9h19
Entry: 4h56
